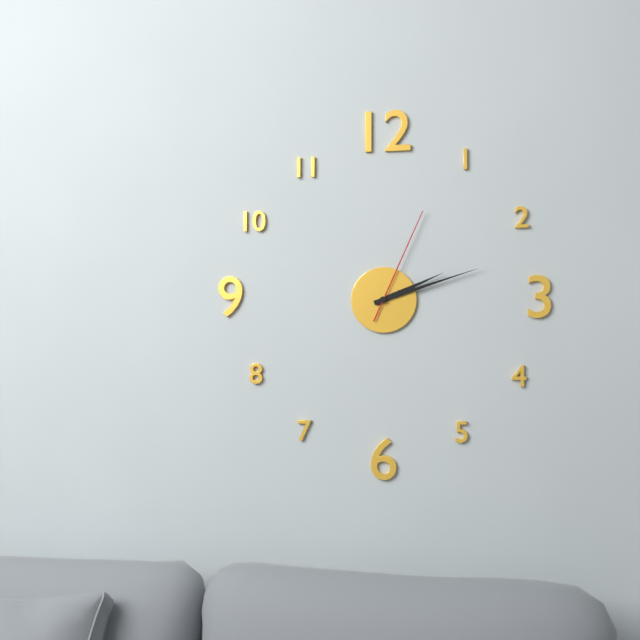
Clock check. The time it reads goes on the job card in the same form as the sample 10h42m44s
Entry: 2h12m04s
